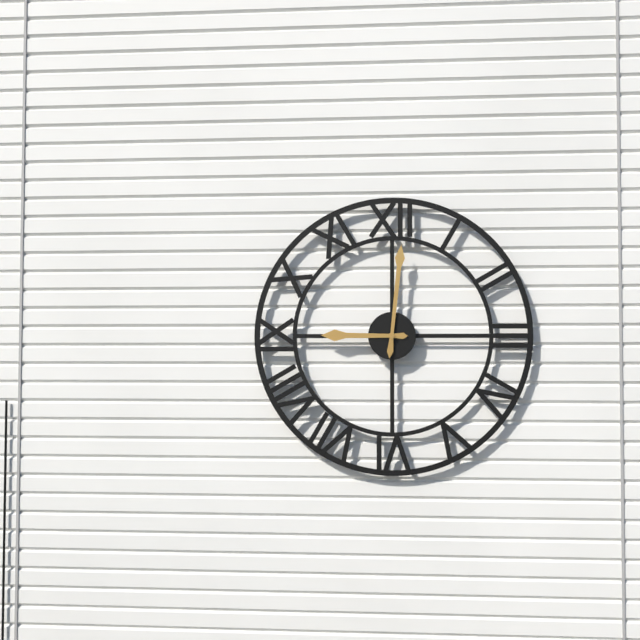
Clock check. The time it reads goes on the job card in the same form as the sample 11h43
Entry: 9h01
